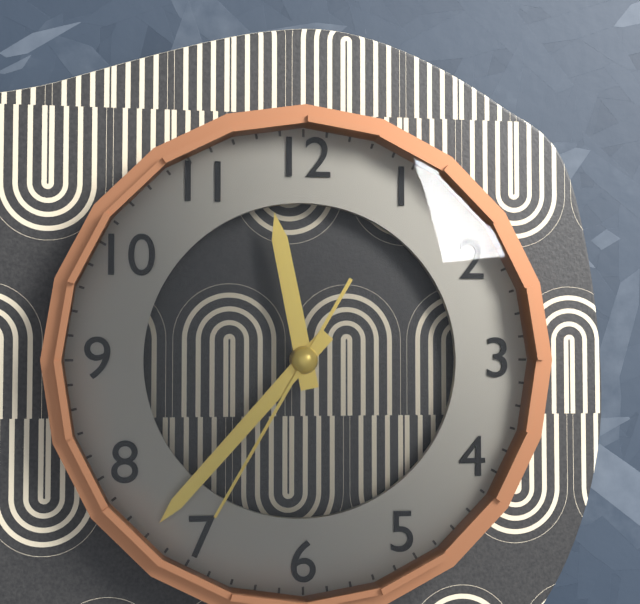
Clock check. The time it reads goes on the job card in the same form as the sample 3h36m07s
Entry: 11h37m35s
